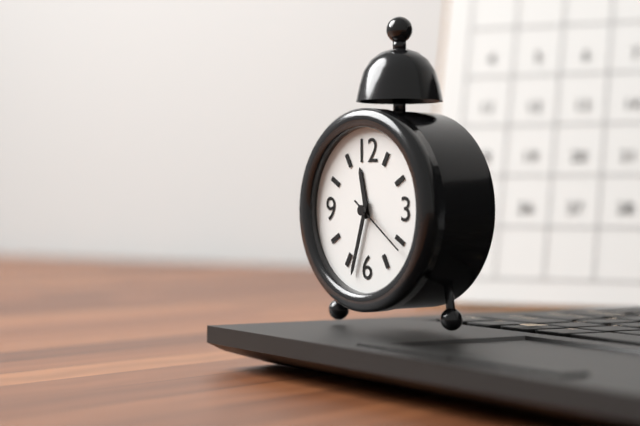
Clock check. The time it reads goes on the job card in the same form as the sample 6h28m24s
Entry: 11h33m21s
